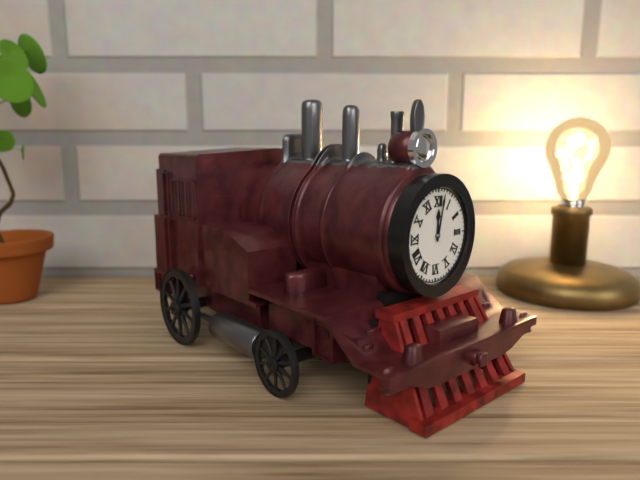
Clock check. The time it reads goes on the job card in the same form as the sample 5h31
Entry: 12h02
